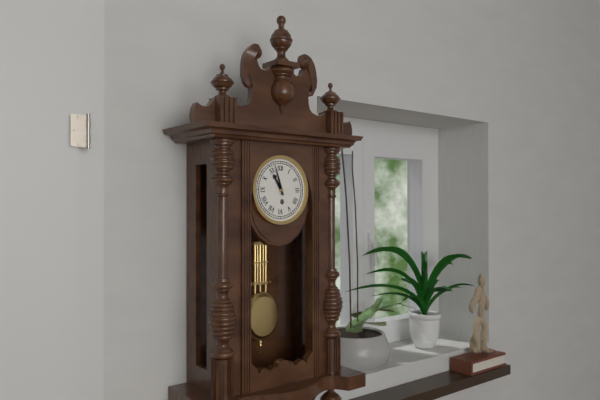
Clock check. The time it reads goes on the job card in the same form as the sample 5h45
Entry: 10h57
